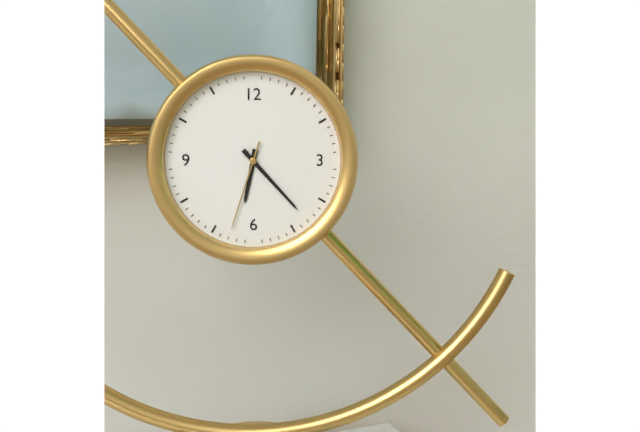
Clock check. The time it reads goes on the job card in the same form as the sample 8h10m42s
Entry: 6h23m33s
